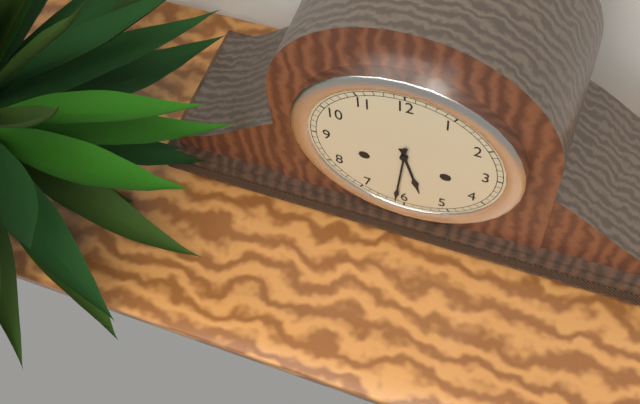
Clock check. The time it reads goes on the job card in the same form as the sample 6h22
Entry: 5h31
